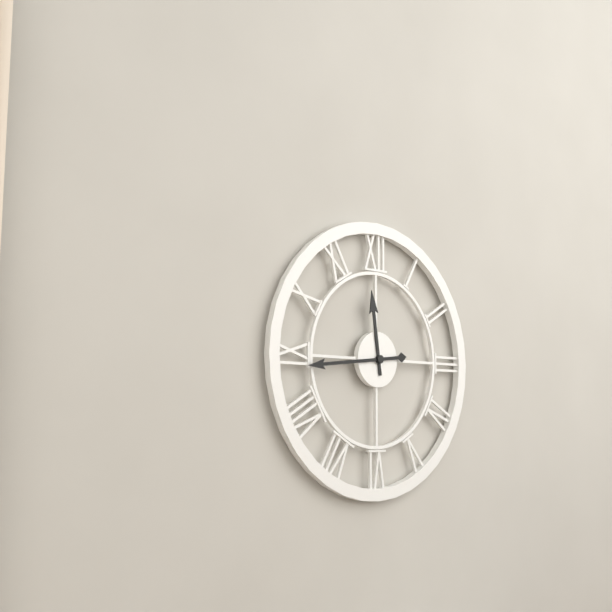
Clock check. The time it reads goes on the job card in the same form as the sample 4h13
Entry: 11h44
